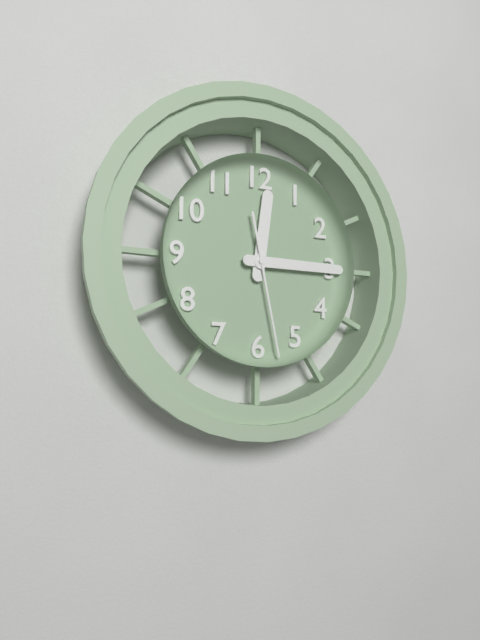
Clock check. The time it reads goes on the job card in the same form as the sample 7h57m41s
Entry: 12h15m28s
